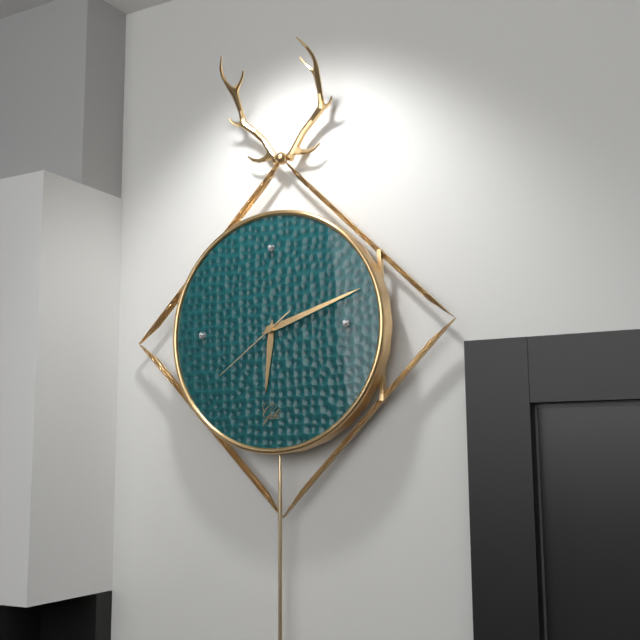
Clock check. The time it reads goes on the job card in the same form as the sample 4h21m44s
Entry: 6h12m39s
